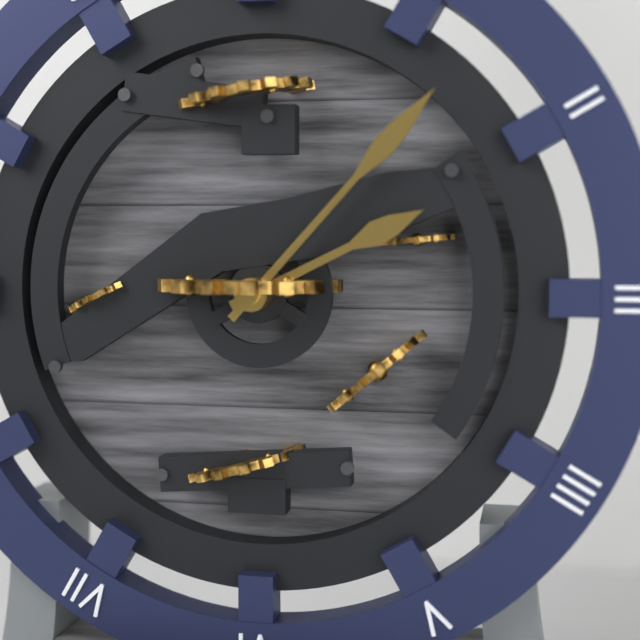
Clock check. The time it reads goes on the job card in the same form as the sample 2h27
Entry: 2h07
